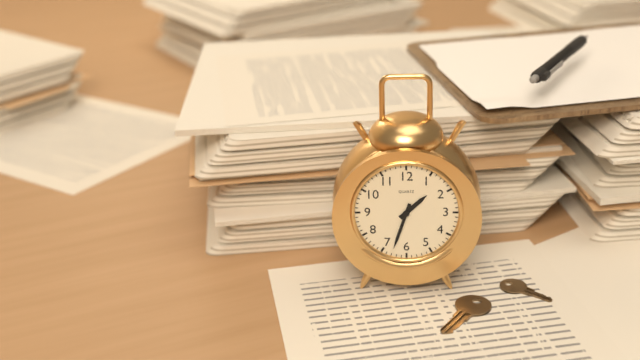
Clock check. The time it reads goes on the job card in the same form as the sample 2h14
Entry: 1h33
